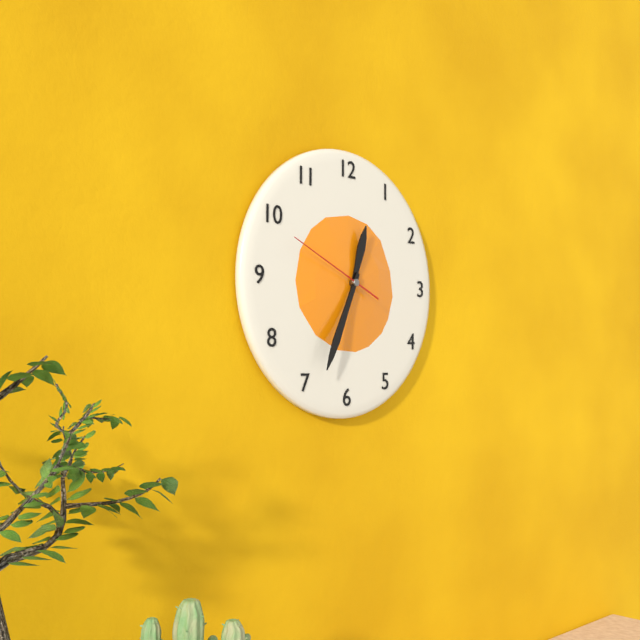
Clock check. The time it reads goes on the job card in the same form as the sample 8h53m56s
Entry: 12h34m49s
